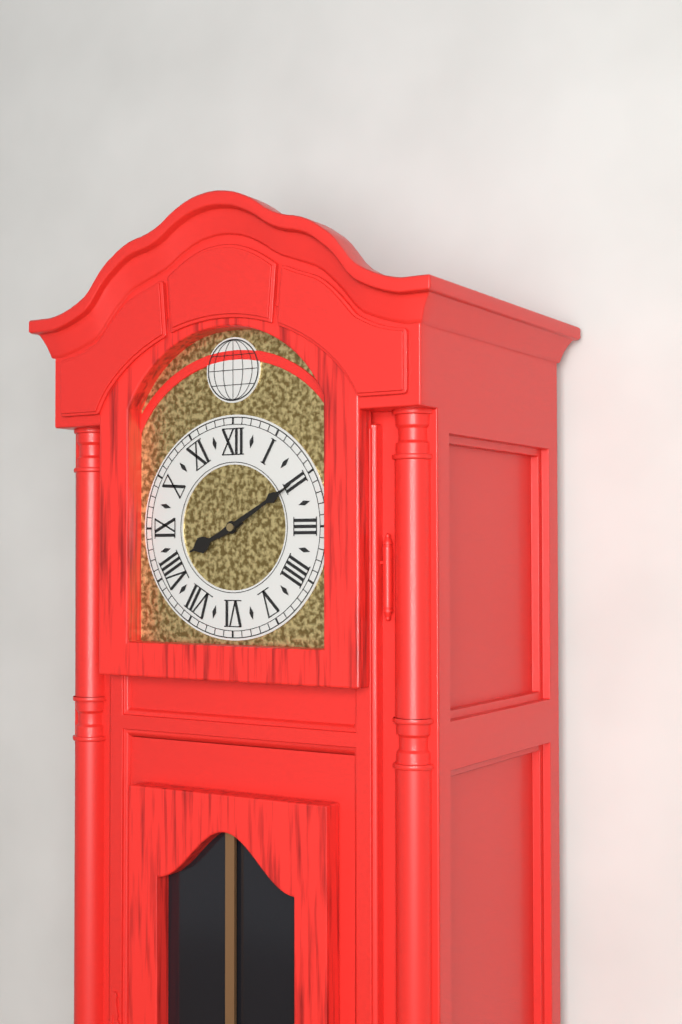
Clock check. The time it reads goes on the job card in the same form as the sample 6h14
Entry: 8h10
